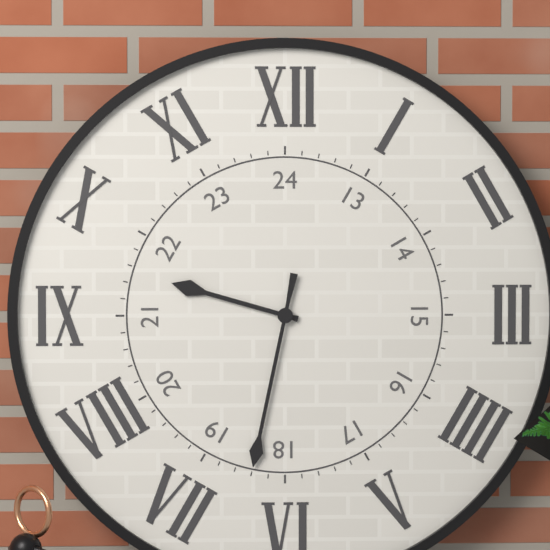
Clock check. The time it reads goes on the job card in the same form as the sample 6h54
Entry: 9h32
